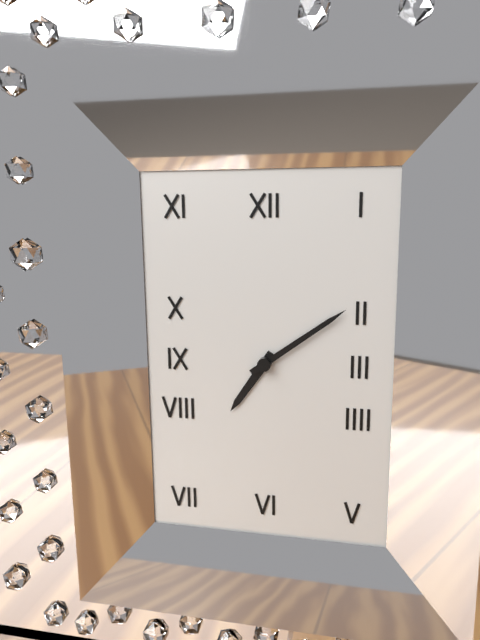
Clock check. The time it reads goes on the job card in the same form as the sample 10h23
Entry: 7h09
